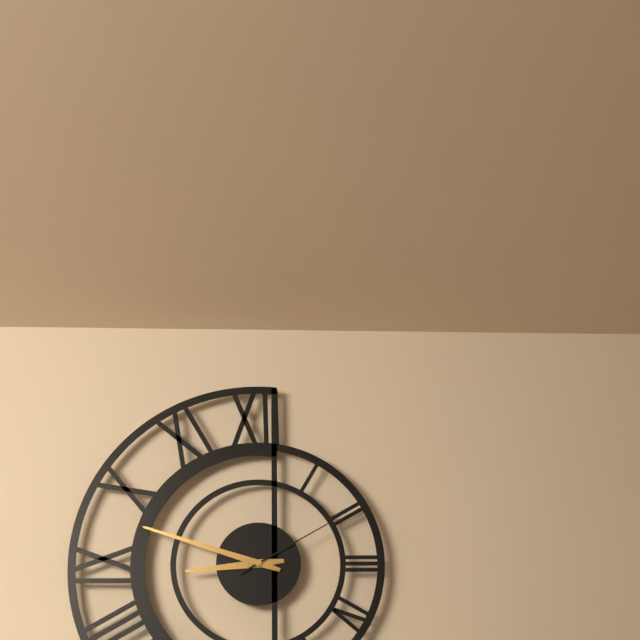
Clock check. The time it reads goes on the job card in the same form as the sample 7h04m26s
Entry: 8h48m10s
